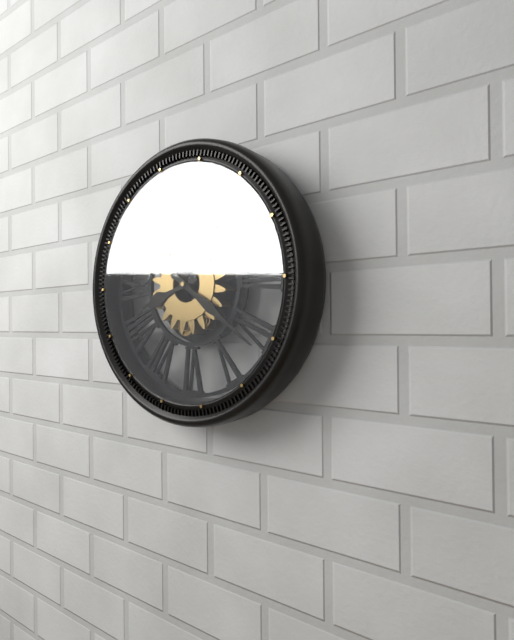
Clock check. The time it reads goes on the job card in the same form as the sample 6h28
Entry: 8h21
